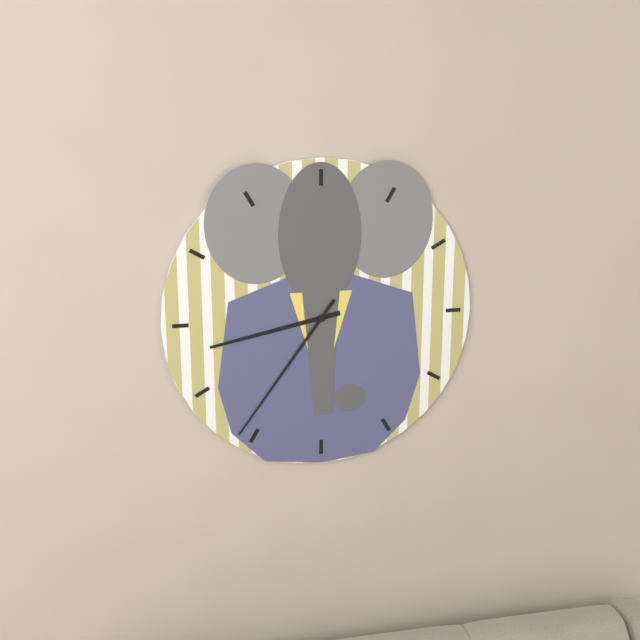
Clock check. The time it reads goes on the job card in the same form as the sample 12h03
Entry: 8h36
